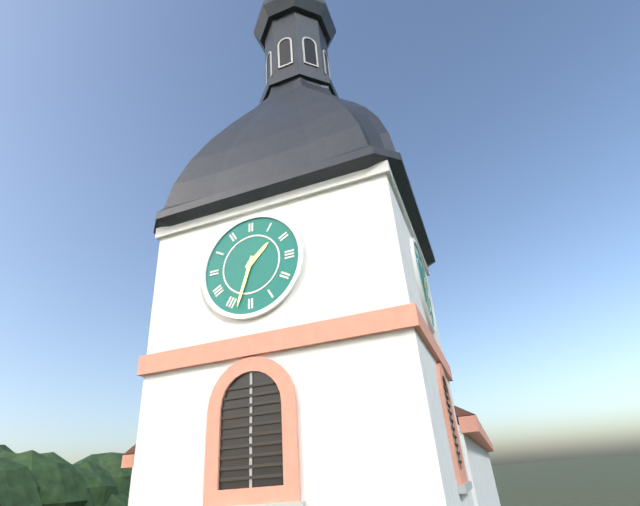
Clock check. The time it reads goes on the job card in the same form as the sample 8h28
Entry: 1h33
